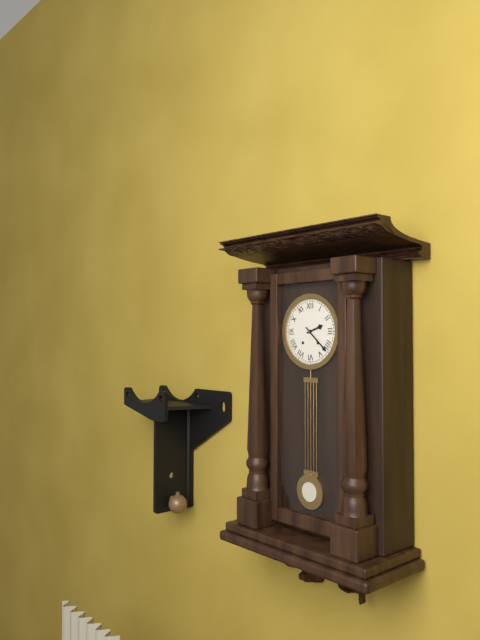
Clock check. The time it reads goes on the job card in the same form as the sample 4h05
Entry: 2h22
